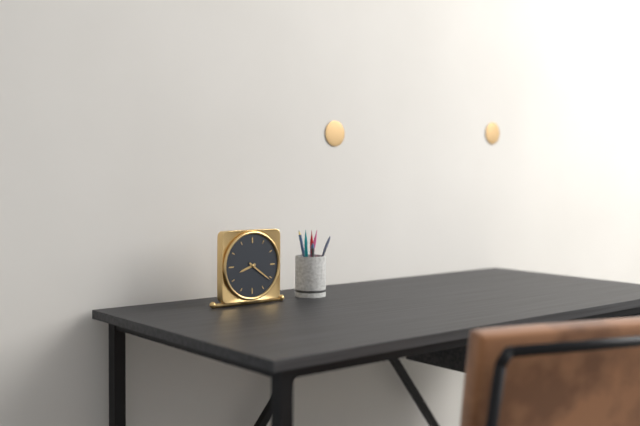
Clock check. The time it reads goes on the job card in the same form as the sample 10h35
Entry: 8h21
